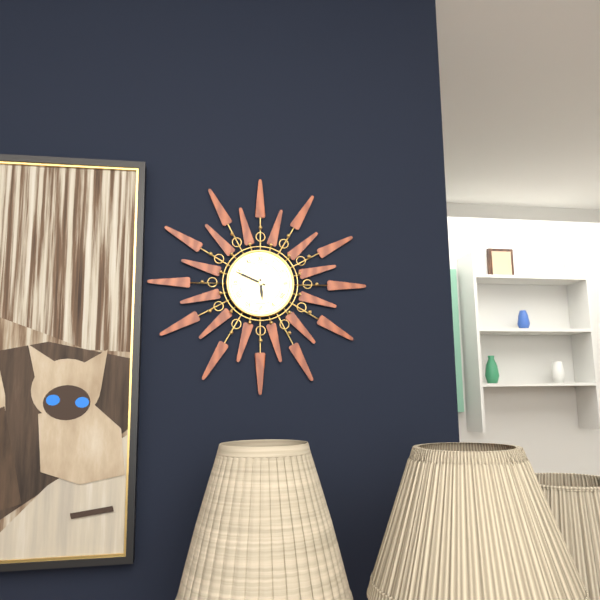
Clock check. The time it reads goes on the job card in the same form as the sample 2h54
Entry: 5h49
